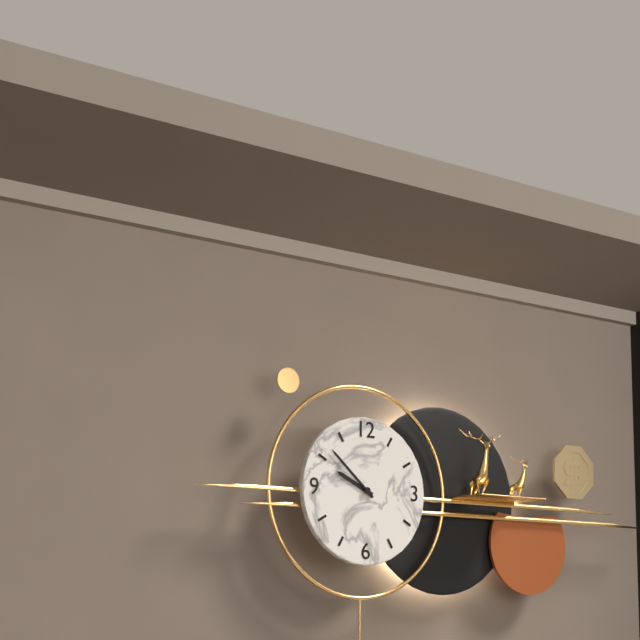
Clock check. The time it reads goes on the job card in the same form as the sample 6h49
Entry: 9h52
